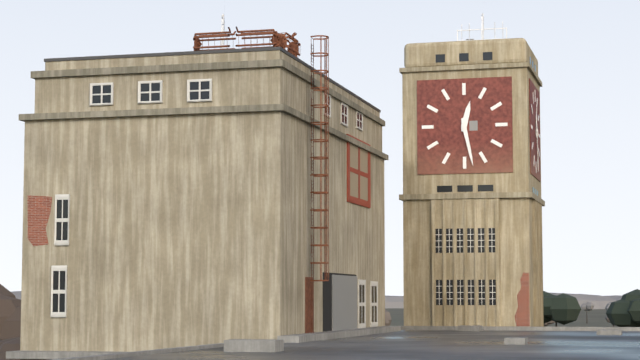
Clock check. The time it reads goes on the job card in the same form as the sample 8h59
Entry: 12h28
